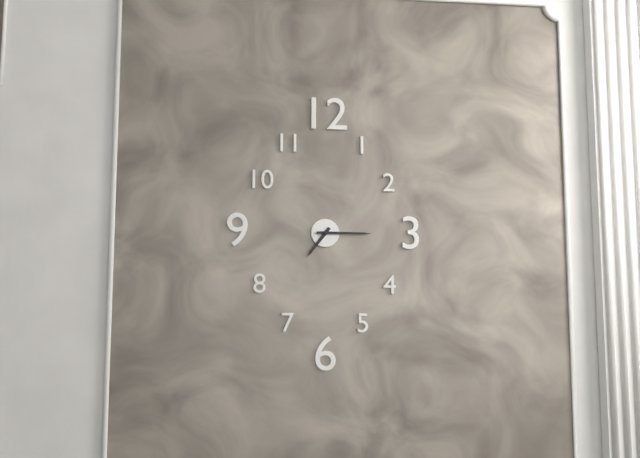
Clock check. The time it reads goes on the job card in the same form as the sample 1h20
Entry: 7h15
